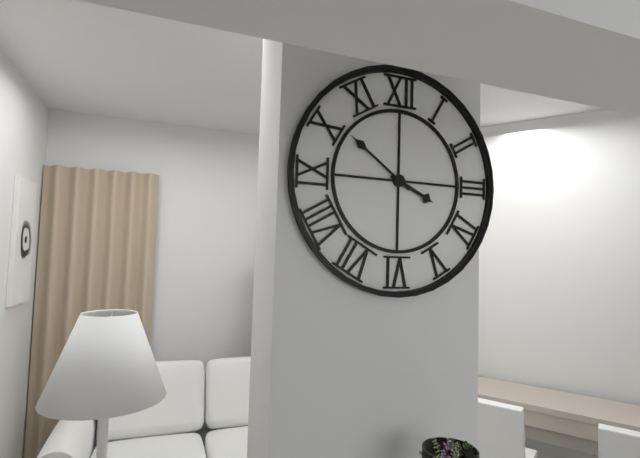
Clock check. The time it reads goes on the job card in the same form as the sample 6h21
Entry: 3h51
